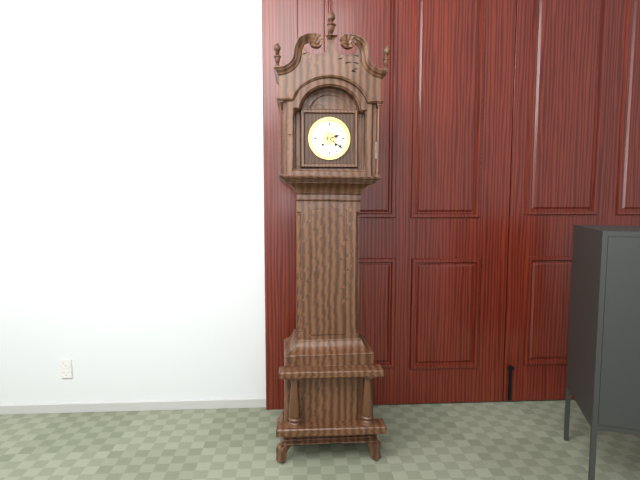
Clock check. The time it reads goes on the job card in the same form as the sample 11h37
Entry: 2h21
